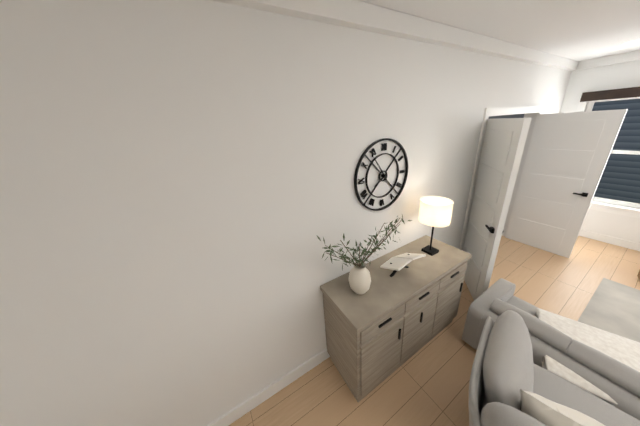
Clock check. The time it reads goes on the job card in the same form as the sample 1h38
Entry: 7h54
